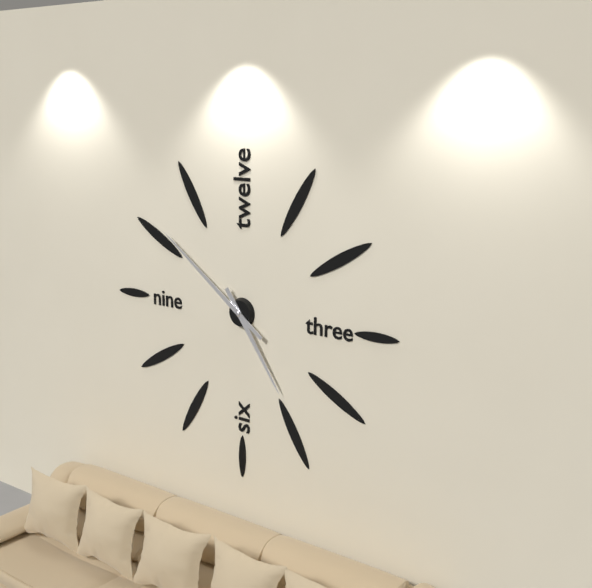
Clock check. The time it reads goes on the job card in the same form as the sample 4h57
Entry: 4h51
